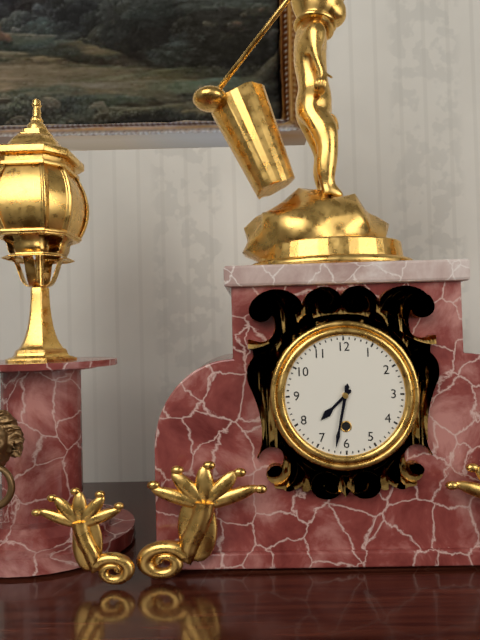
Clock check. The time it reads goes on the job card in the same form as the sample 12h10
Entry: 7h32
